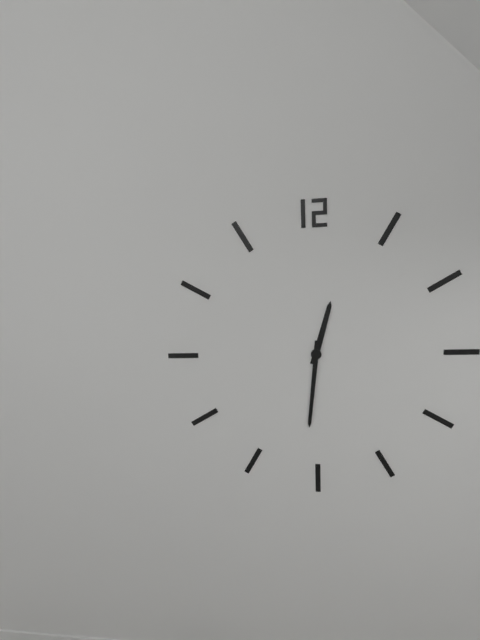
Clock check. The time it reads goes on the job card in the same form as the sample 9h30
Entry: 12h31
